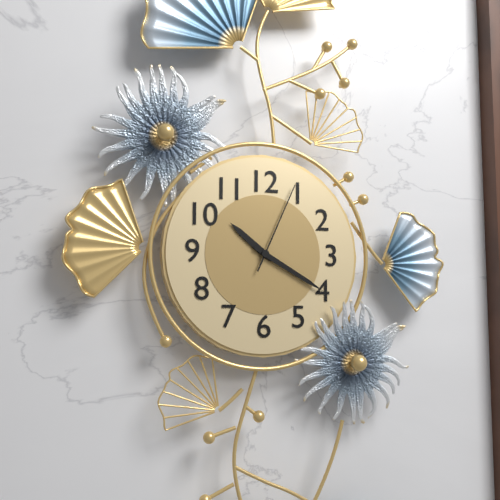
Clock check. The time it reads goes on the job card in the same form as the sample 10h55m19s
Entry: 10h20m04s
